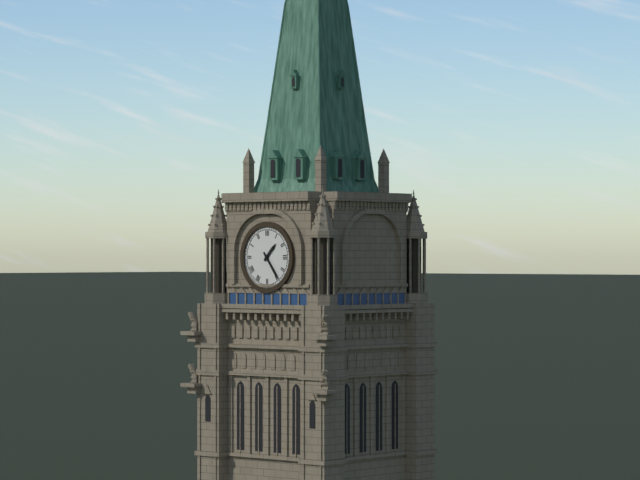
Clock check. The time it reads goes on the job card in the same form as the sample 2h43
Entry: 1h24
